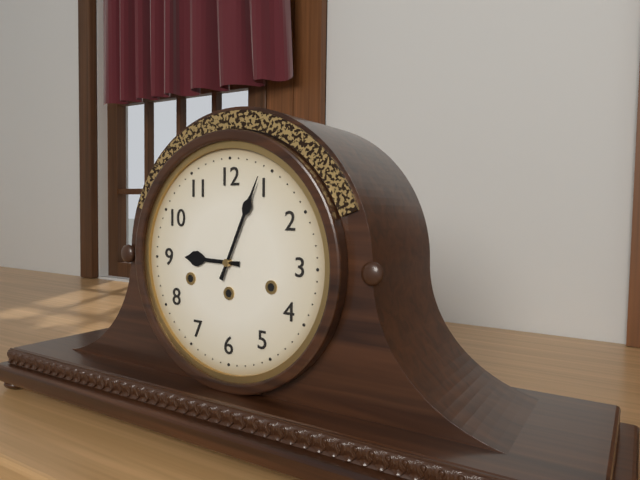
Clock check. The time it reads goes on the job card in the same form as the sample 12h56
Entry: 9h04
